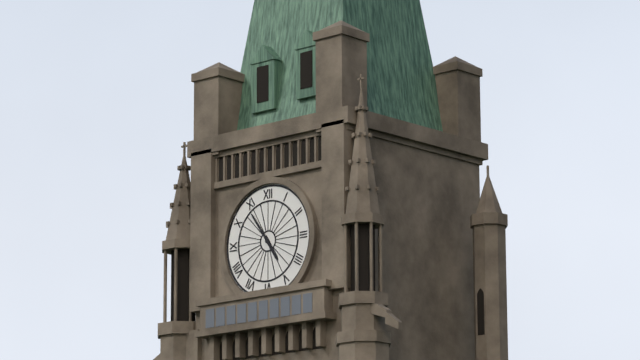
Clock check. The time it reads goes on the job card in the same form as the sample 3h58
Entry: 4h54
